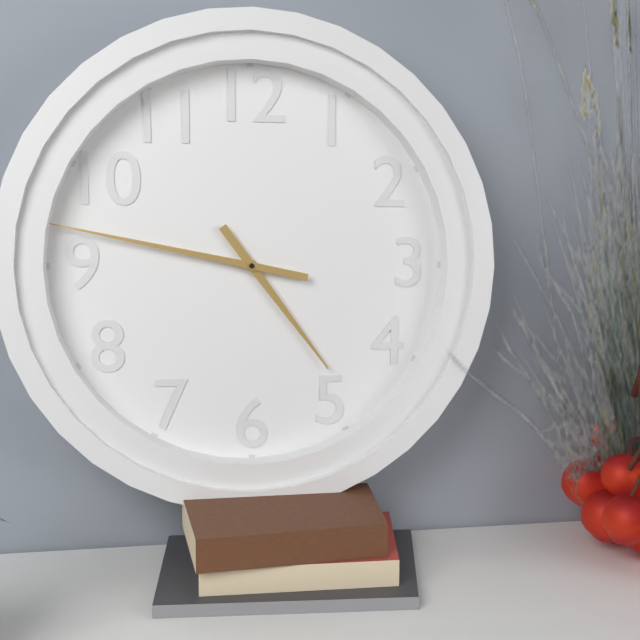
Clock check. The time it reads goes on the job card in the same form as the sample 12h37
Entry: 4h47
